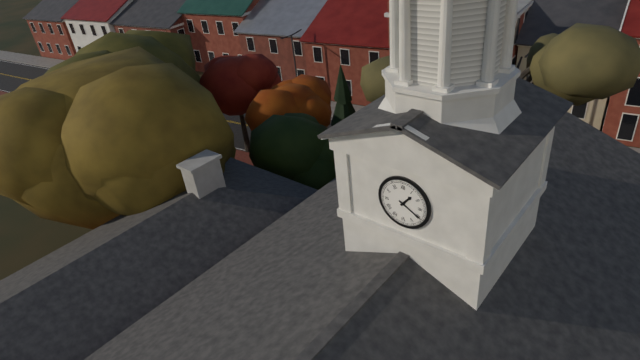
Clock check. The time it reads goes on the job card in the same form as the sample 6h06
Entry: 1h20
